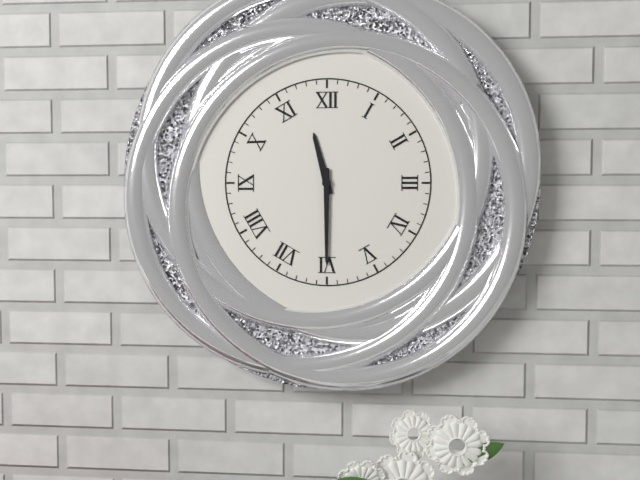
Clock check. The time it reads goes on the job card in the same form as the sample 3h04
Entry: 11h30
